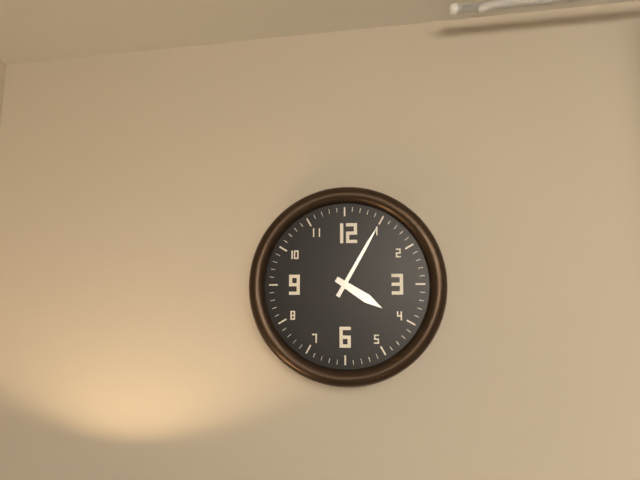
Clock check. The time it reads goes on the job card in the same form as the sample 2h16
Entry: 4h05
